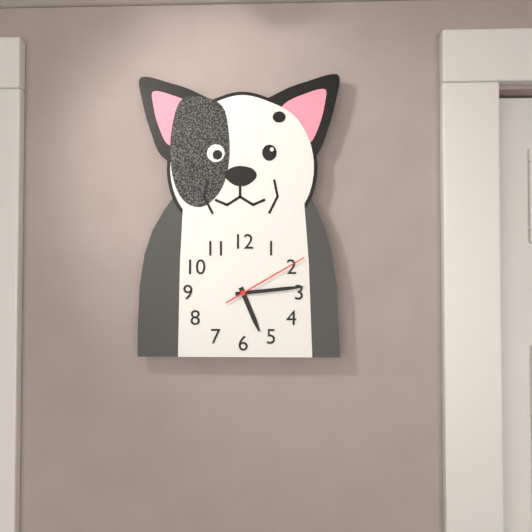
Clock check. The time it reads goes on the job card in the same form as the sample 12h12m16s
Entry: 5h14m10s
